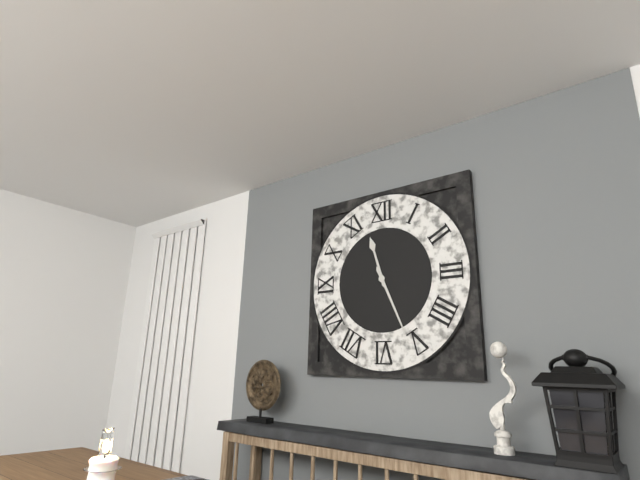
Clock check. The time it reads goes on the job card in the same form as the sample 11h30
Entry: 11h26
